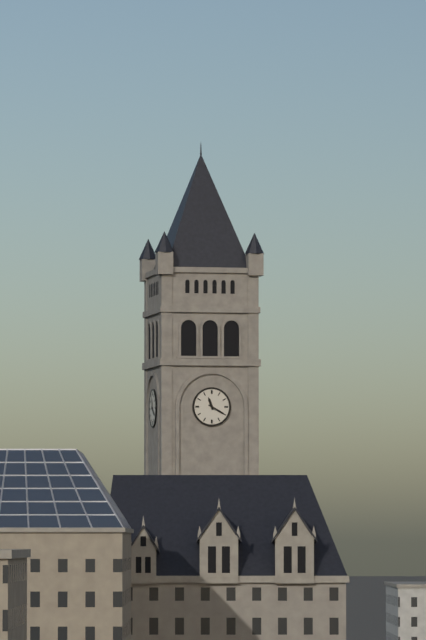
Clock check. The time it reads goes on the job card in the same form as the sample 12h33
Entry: 11h20
